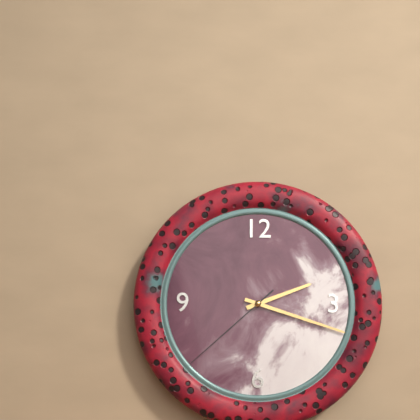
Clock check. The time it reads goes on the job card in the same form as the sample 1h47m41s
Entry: 2h18m38s
